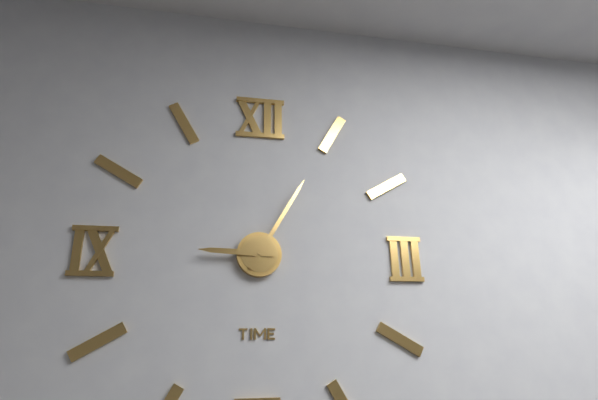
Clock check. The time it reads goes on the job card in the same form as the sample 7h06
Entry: 9h05
